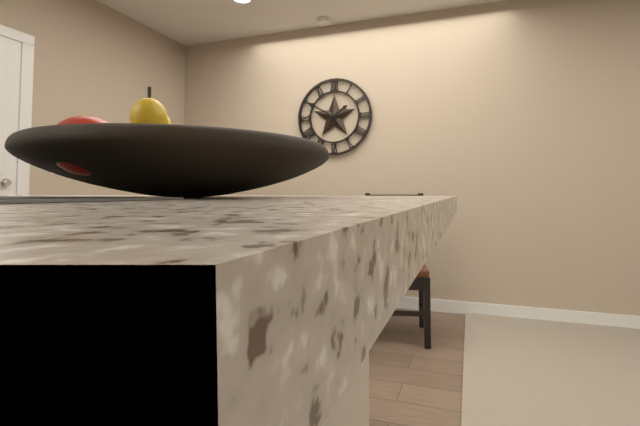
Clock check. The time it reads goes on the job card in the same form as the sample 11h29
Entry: 1h50
